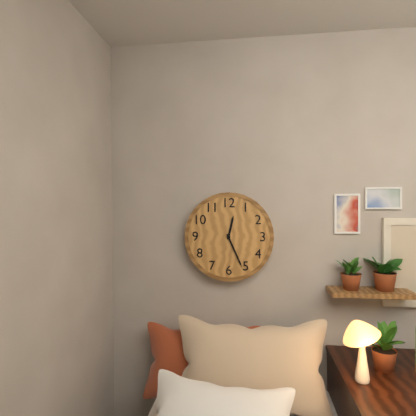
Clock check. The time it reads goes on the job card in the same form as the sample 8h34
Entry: 12h26
